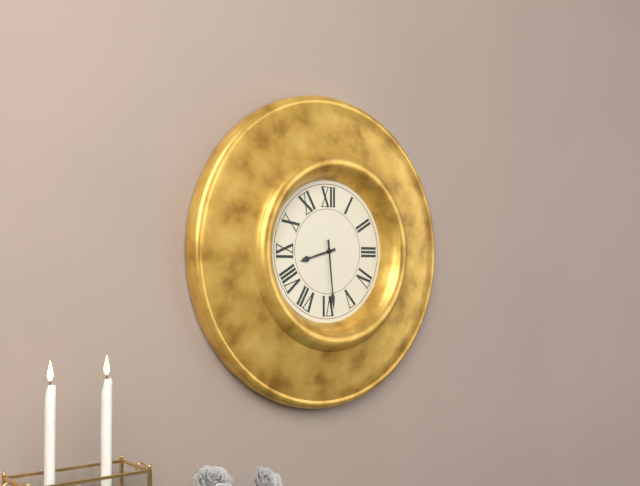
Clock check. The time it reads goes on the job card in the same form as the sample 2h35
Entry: 8h29
